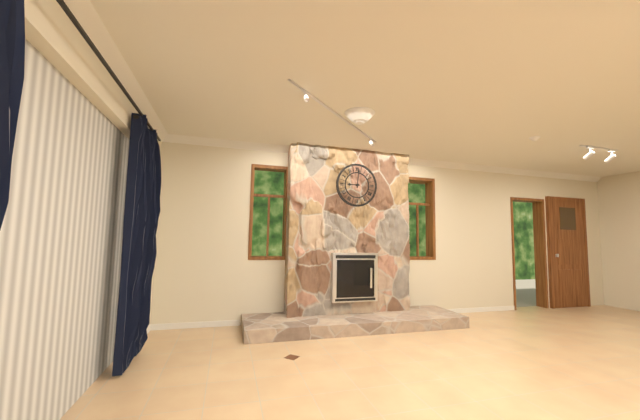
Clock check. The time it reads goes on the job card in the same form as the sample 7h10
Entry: 9h01
